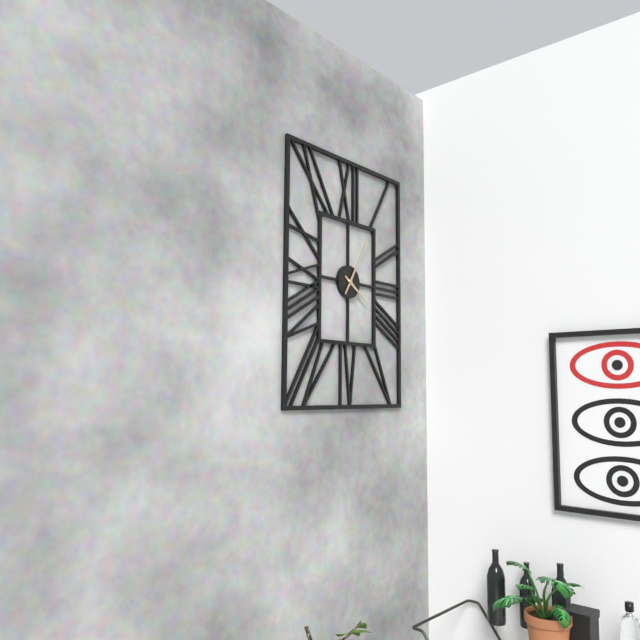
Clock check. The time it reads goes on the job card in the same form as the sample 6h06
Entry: 4h05
